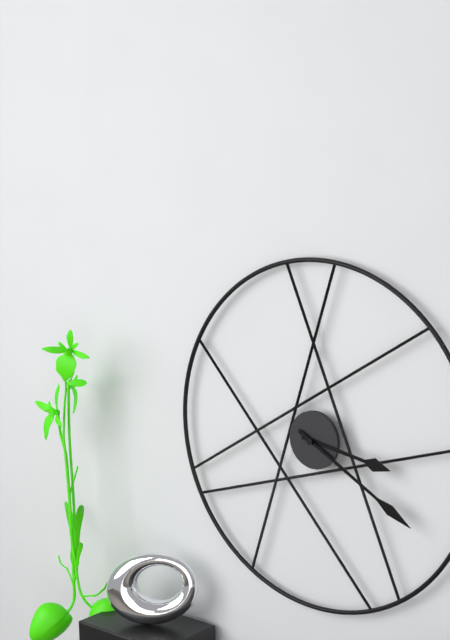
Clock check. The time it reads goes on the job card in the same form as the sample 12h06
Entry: 3h20
